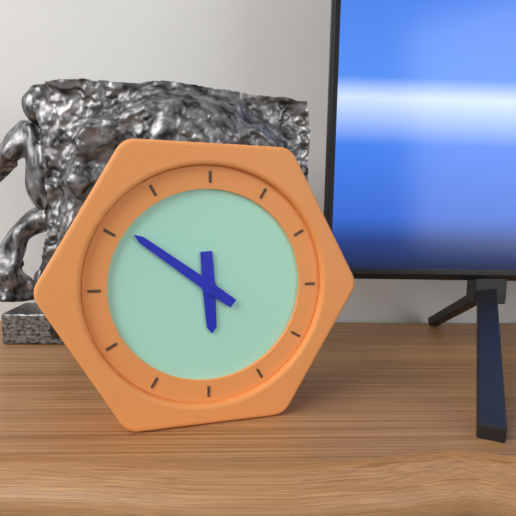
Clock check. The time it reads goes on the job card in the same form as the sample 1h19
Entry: 5h51
